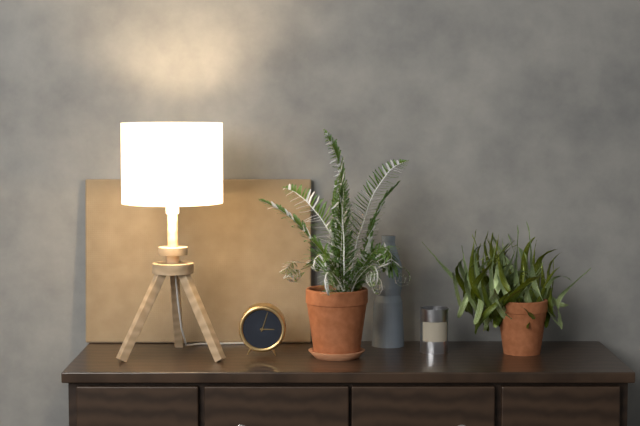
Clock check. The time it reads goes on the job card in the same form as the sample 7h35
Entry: 3h03
